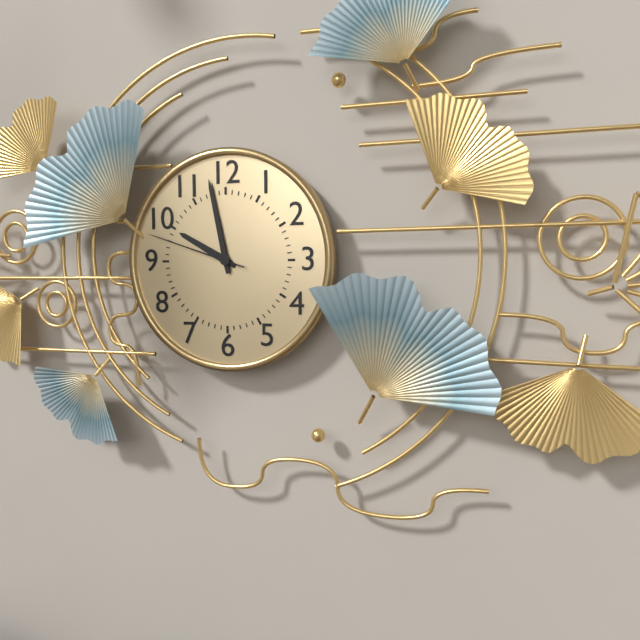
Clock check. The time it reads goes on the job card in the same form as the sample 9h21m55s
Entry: 9h58m48s
